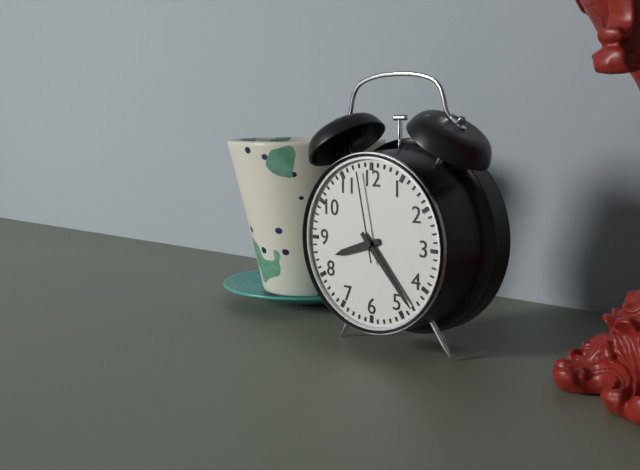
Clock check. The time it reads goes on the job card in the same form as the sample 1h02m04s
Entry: 8h23m58s
